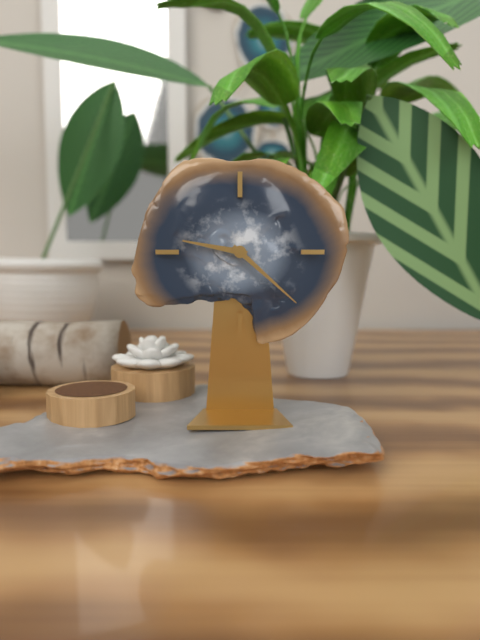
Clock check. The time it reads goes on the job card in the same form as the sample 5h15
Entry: 9h22
